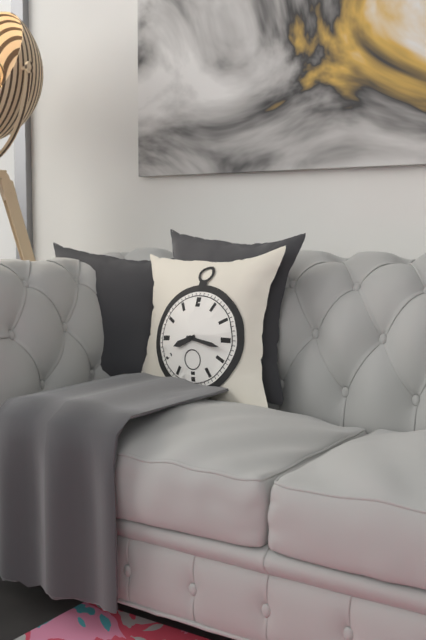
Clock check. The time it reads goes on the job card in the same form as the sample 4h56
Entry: 8h17
